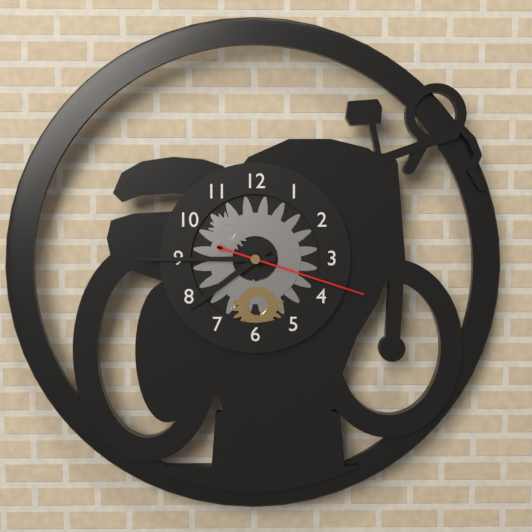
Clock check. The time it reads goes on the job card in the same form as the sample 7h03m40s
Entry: 7h45m18s
